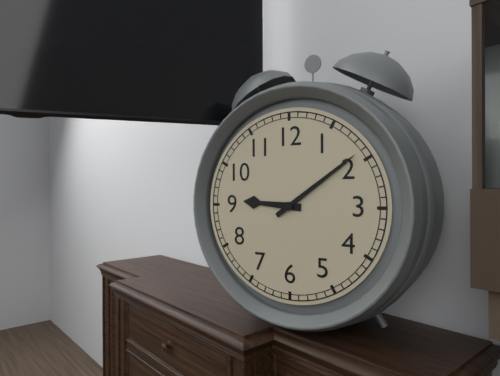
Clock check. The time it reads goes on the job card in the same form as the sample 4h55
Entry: 9h09
